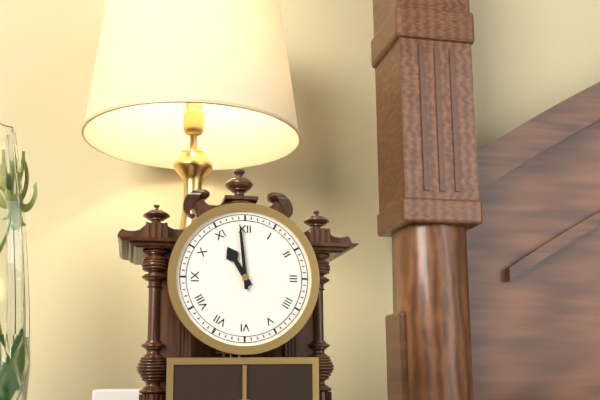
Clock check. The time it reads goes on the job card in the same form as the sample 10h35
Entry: 10h59
